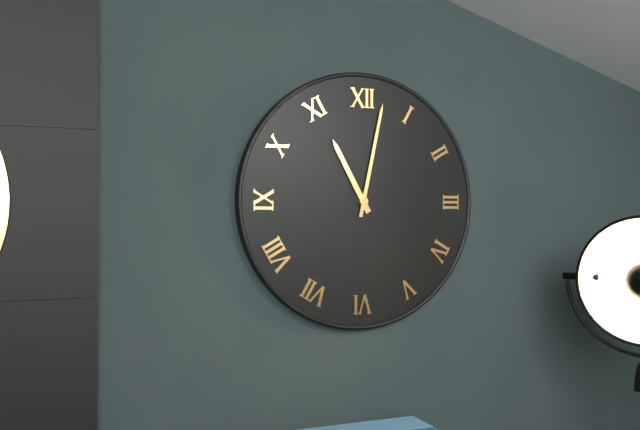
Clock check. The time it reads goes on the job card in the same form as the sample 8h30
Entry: 11h02
